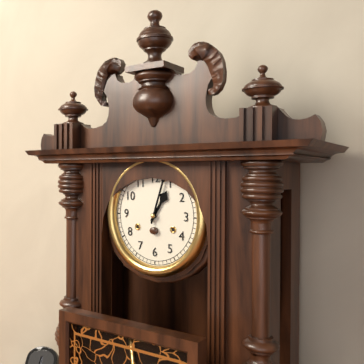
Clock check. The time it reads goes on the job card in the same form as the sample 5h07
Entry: 1h03
